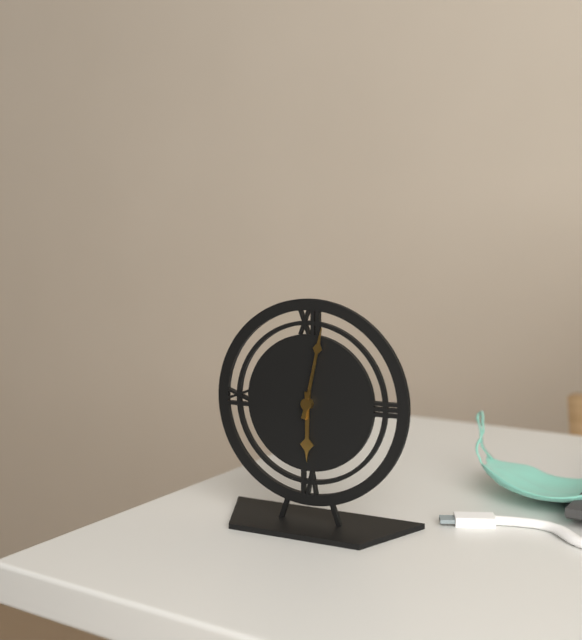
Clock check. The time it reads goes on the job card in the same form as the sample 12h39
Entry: 6h02
